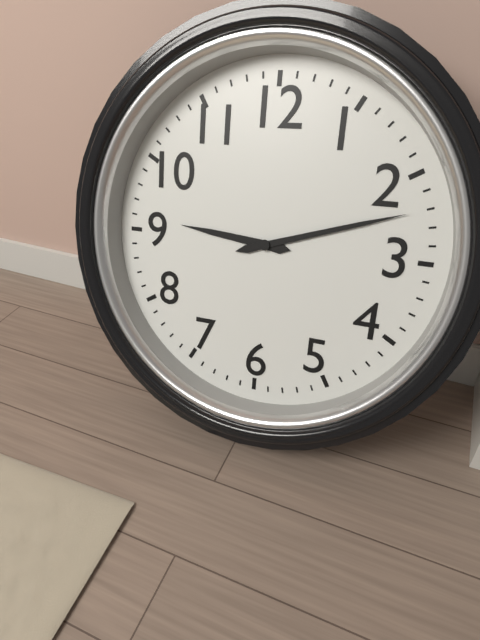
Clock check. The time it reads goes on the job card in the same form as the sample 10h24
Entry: 9h12
